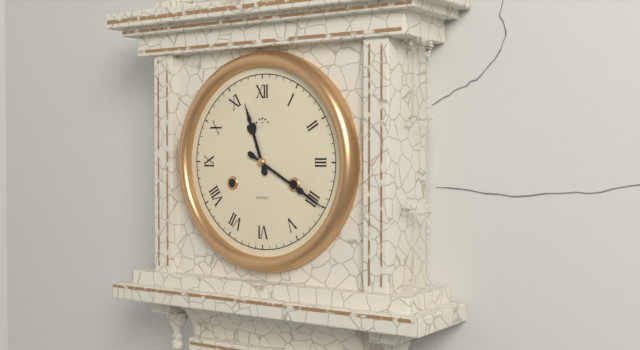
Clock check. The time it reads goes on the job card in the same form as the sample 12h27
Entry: 11h20
